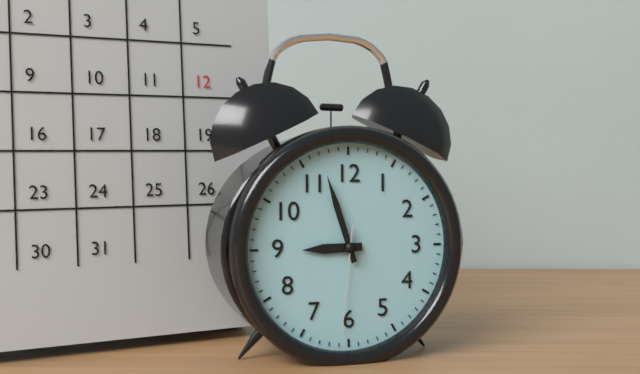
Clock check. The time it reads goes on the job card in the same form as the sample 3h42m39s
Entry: 8h57m31s
